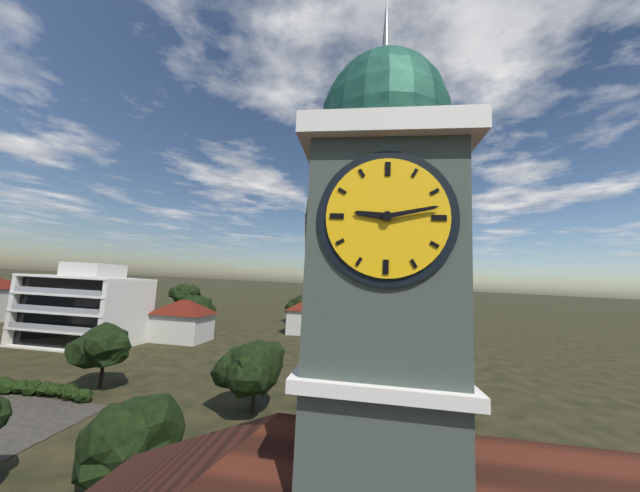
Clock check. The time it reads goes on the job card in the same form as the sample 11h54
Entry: 9h13
